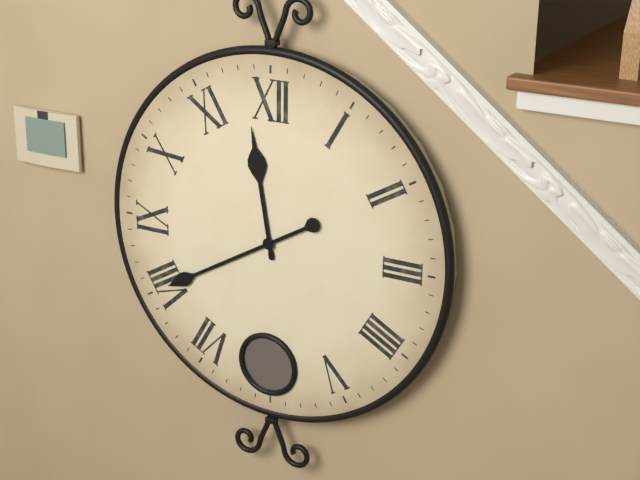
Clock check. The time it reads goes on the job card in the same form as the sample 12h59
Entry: 11h40
